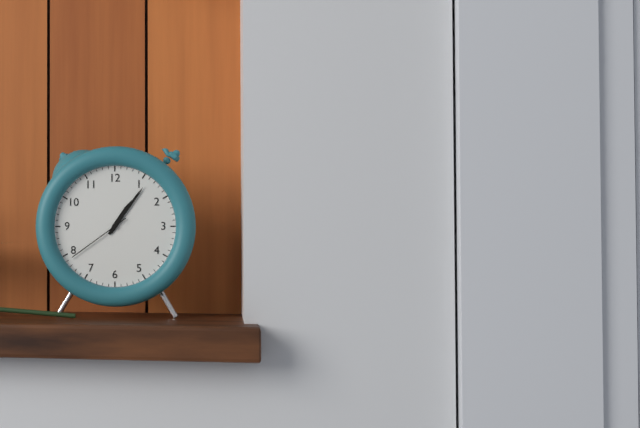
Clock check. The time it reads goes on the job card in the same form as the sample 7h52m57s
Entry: 1h06m39s
